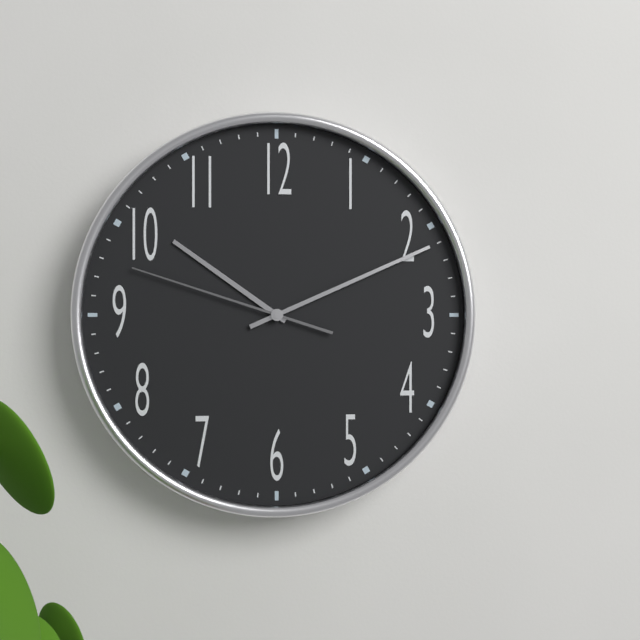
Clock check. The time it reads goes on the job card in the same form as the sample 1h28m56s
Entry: 10h11m48s
